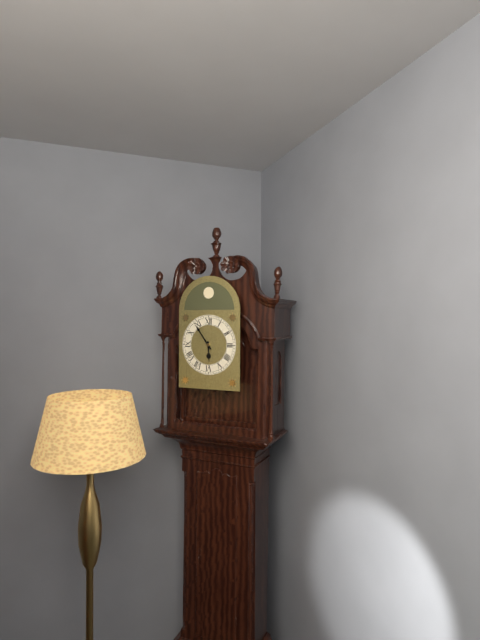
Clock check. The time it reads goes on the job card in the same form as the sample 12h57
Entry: 5h54
